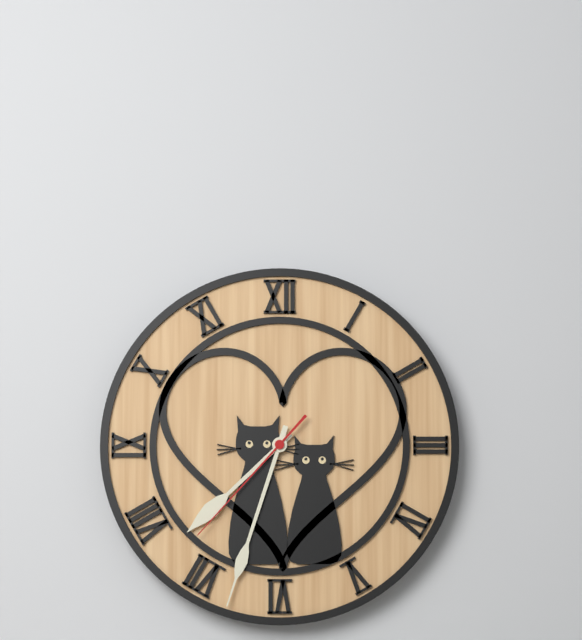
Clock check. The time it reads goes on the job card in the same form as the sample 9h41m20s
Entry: 7h33m37s
